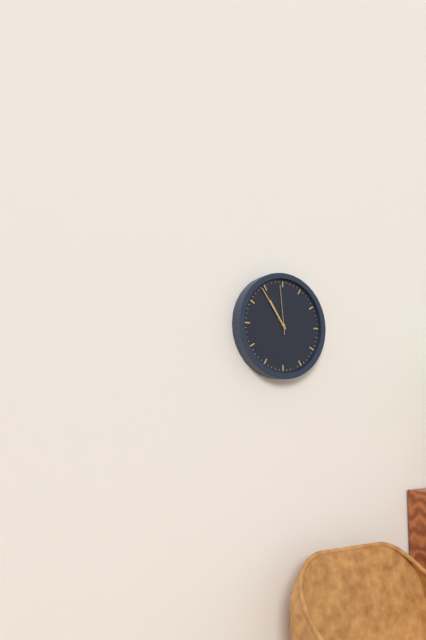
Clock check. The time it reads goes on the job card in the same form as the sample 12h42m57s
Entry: 10h54m59s
